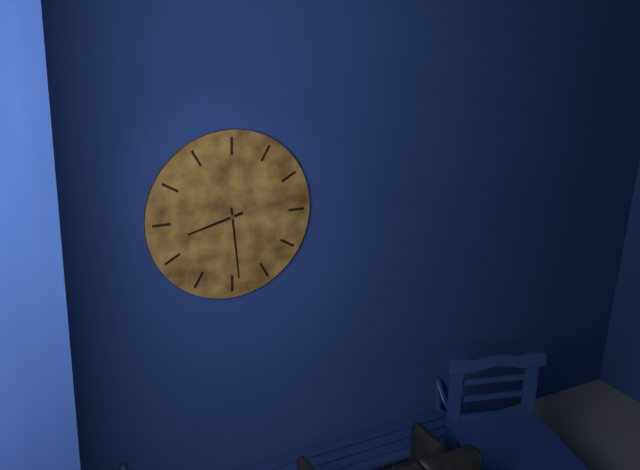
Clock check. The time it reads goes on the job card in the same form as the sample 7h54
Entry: 8h29
